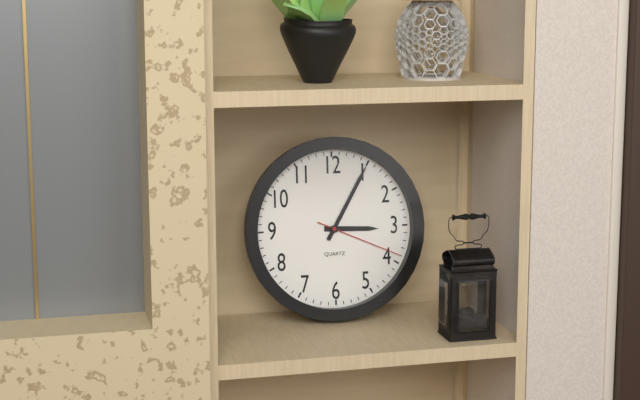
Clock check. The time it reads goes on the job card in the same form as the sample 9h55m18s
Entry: 3h05m19s
